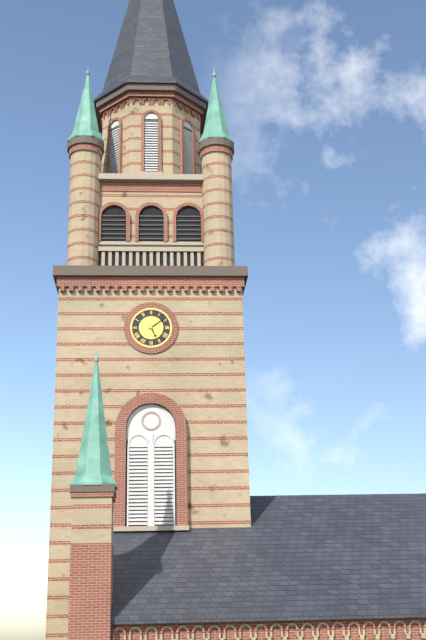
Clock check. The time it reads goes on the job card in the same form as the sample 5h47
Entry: 5h09
